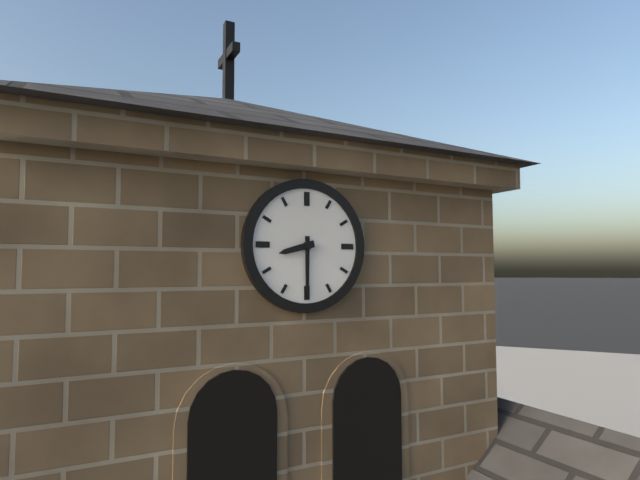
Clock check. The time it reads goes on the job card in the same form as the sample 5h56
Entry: 8h30
